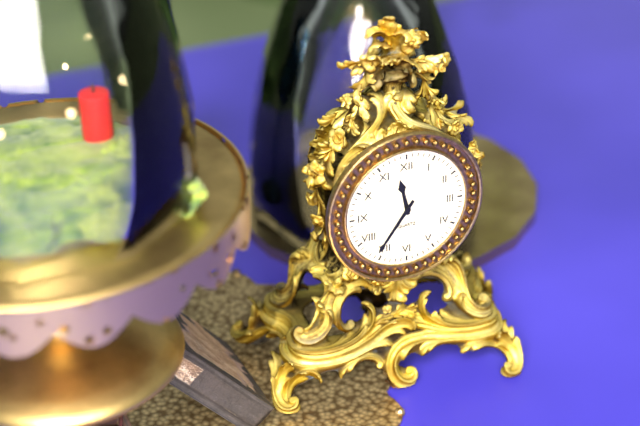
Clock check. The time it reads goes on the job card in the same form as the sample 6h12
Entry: 11h36
